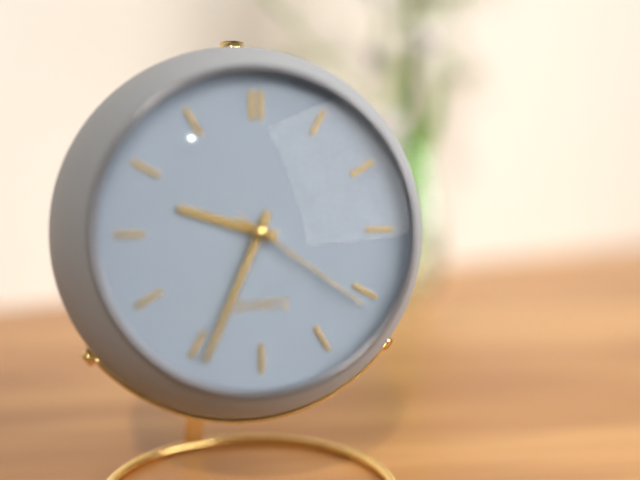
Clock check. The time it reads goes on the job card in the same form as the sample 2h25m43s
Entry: 9h34m21s
